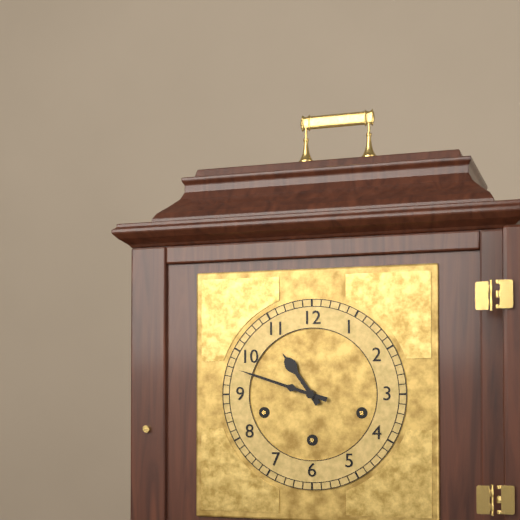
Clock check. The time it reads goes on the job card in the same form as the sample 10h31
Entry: 10h48
